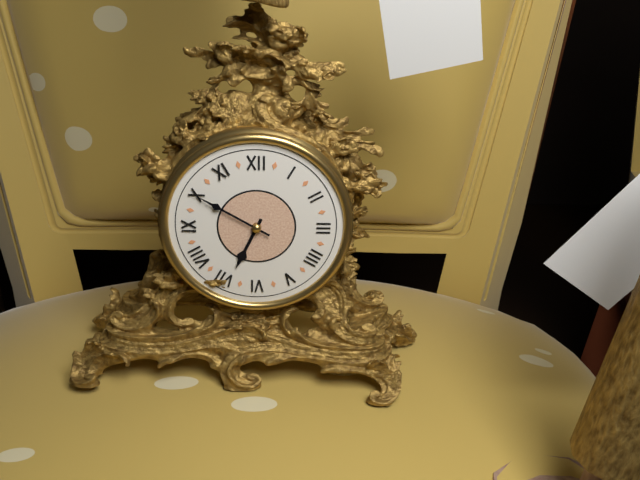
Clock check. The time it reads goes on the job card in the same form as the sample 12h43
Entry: 6h50
